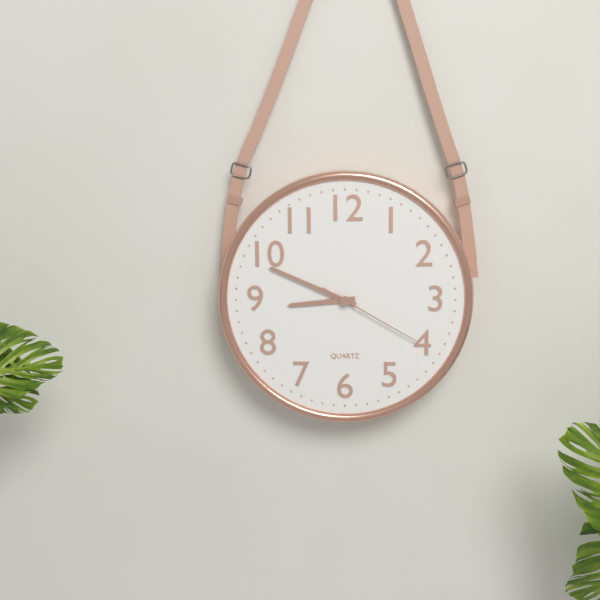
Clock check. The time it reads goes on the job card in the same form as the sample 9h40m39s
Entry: 8h49m20s
